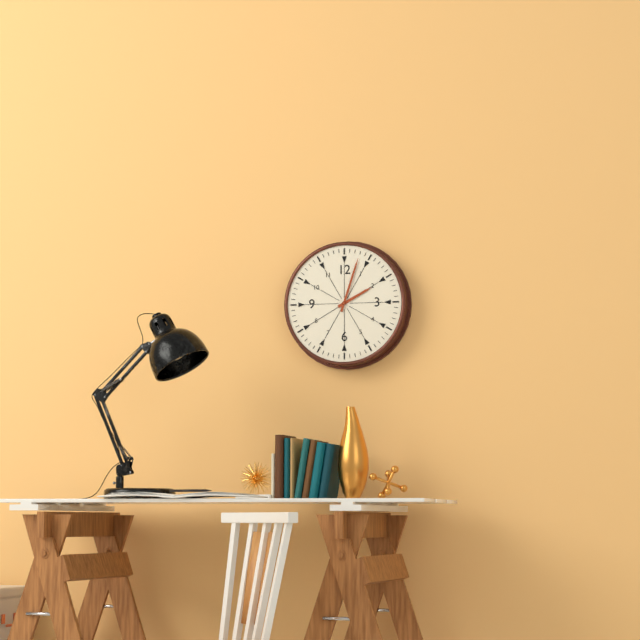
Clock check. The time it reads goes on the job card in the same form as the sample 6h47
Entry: 2h03
